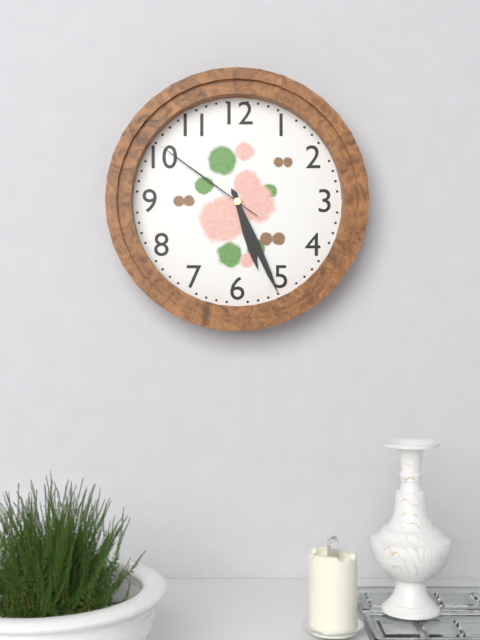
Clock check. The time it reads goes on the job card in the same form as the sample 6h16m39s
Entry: 5h26m51s
